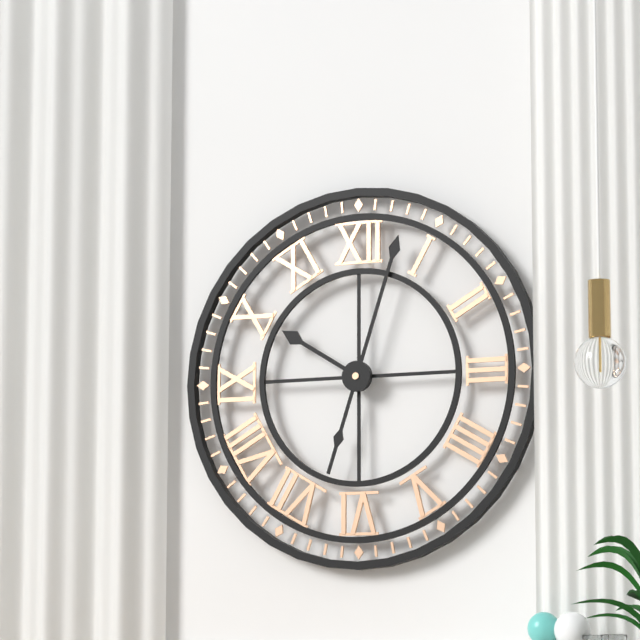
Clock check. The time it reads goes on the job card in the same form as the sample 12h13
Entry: 10h03
